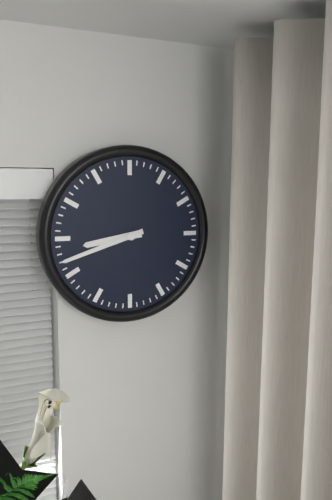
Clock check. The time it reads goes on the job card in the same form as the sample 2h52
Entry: 8h42
